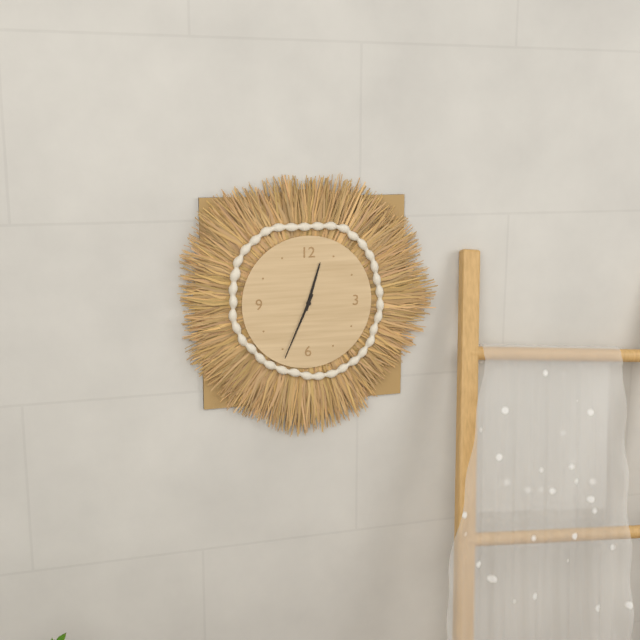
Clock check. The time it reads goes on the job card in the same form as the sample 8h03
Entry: 12h34
